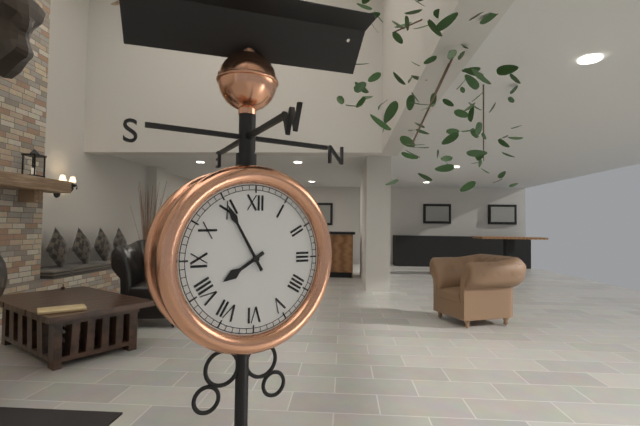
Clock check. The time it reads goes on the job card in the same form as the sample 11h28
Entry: 7h55
